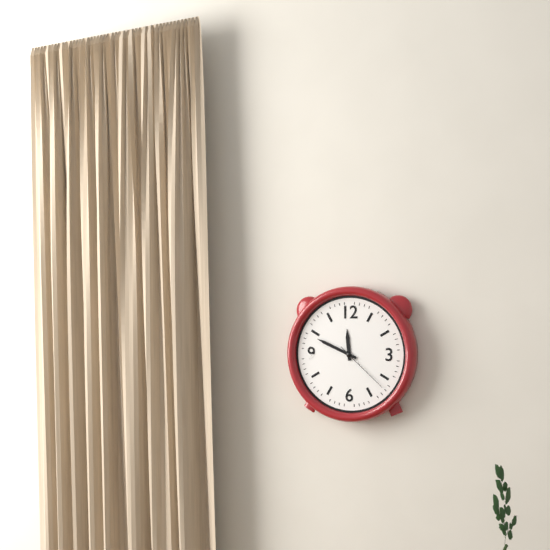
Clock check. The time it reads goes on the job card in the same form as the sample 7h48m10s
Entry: 11h49m22s
